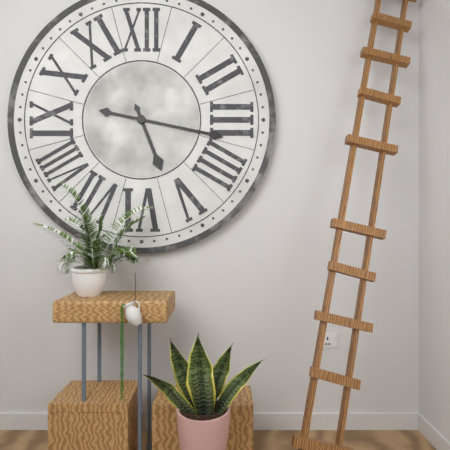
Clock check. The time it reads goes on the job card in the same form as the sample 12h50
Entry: 5h17
